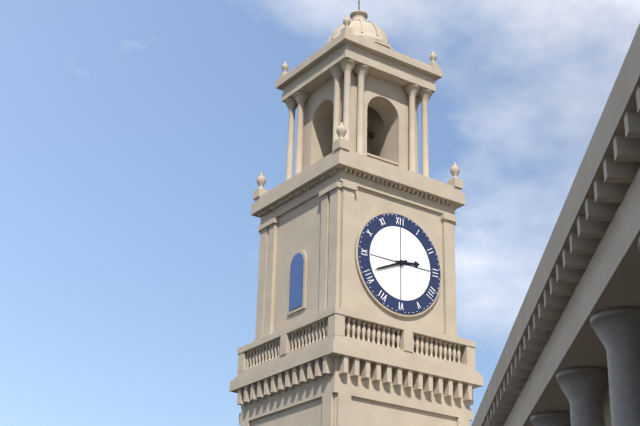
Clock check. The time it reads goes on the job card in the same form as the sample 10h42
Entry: 2h41
